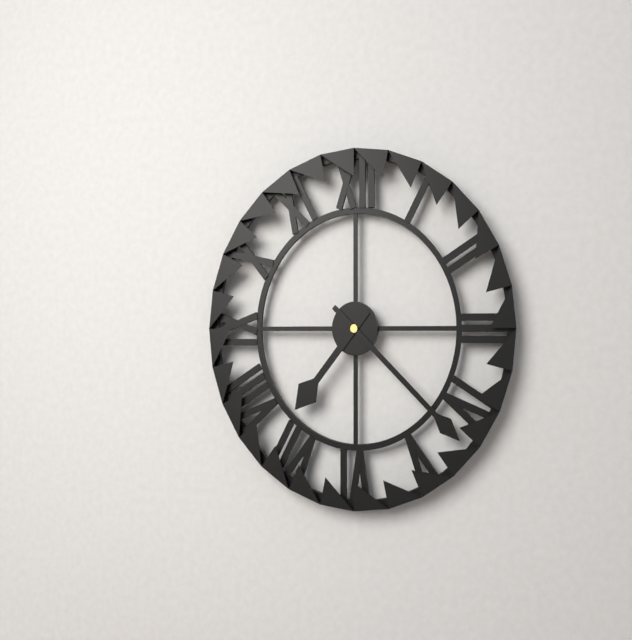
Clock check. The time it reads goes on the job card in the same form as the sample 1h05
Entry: 7h22
